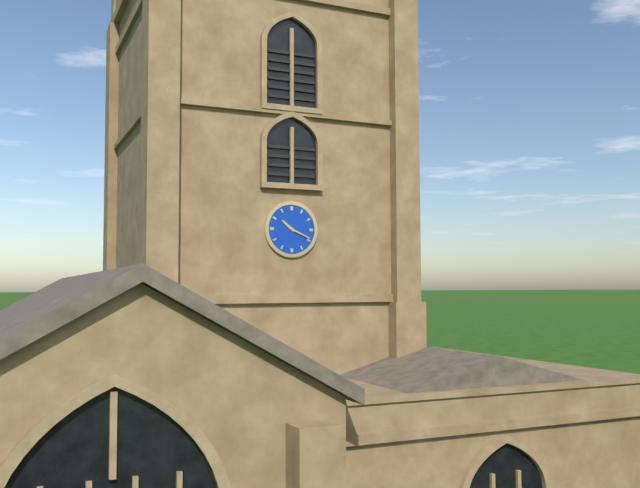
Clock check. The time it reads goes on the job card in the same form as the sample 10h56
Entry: 10h19
